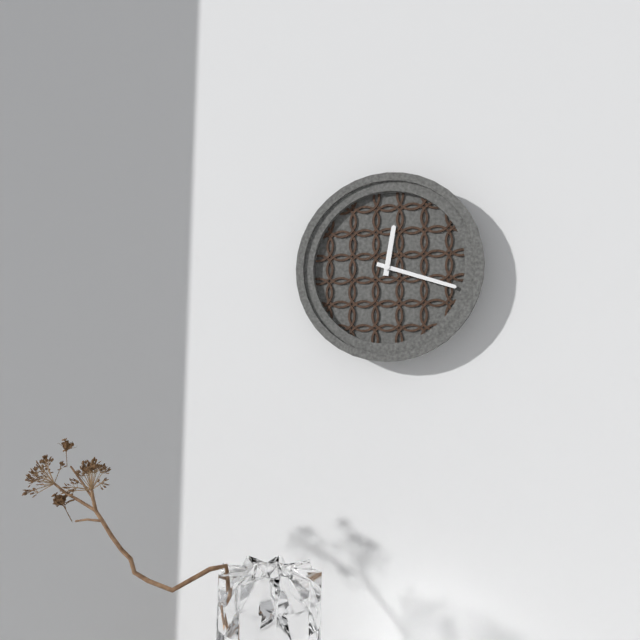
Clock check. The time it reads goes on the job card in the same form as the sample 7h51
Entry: 12h18
